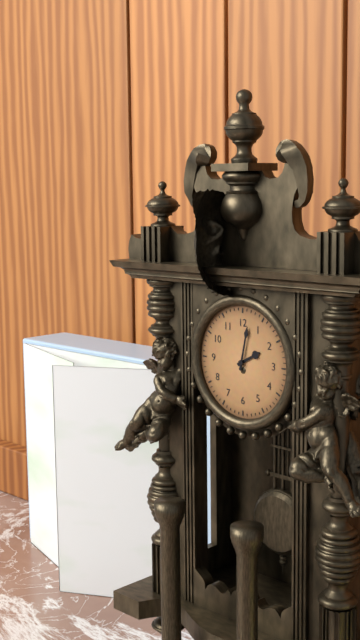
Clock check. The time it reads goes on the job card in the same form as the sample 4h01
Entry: 2h02
